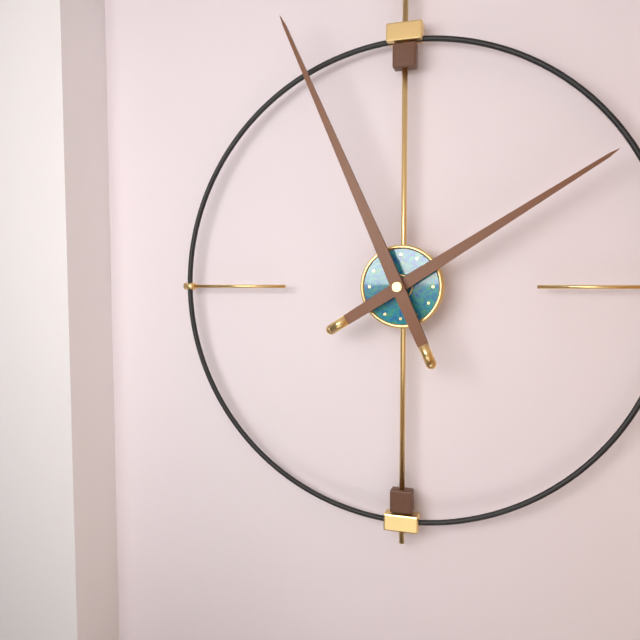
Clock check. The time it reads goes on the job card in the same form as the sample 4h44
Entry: 1h56
